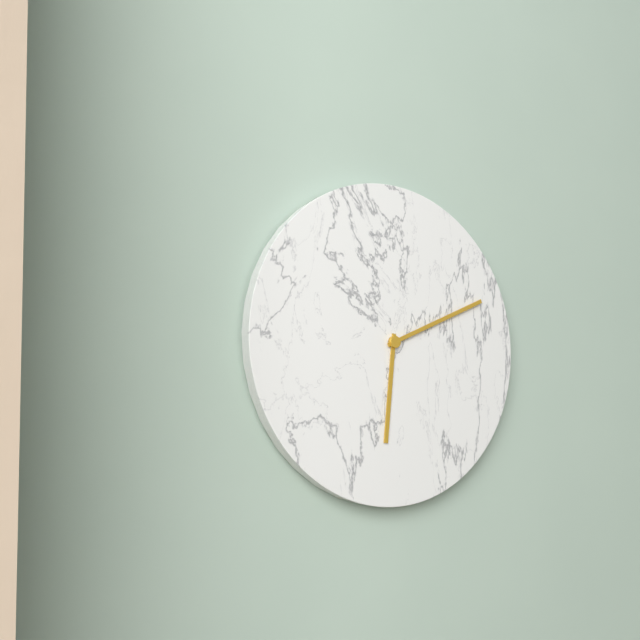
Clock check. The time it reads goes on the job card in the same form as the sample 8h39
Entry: 6h11
